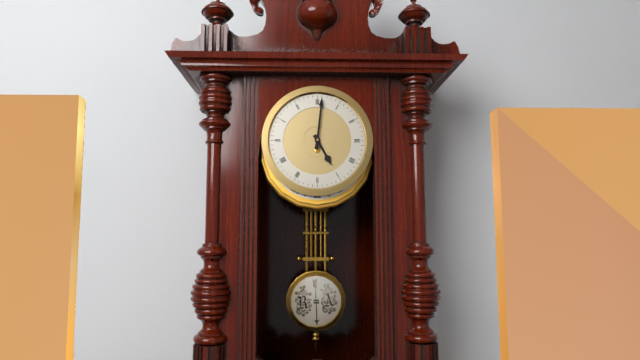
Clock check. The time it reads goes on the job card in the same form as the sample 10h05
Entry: 5h01
